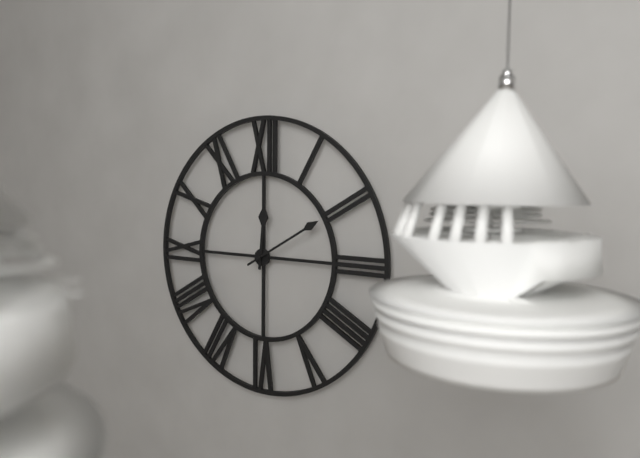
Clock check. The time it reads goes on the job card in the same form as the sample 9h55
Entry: 12h10
